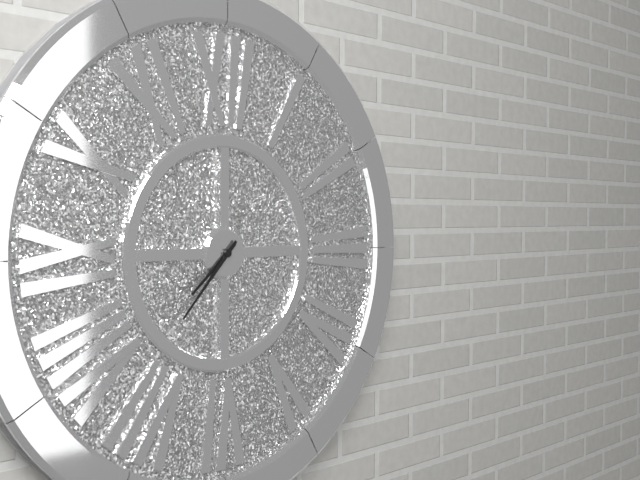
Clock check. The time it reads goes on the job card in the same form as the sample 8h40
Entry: 7h37
